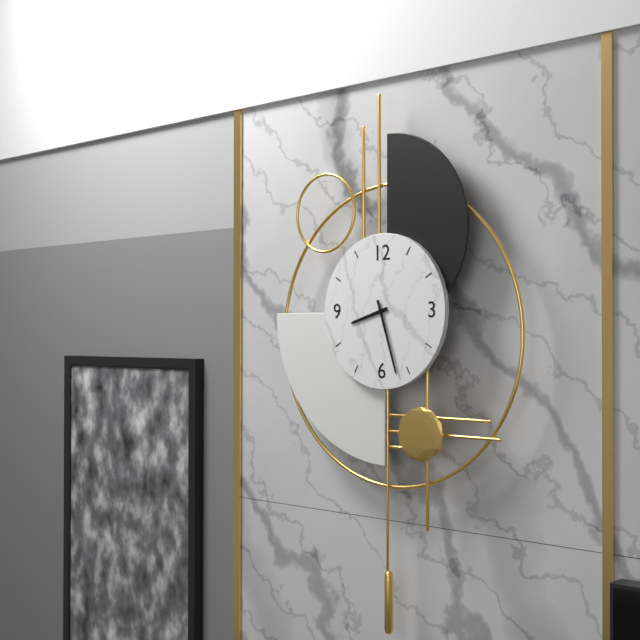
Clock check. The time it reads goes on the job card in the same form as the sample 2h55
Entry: 8h27
